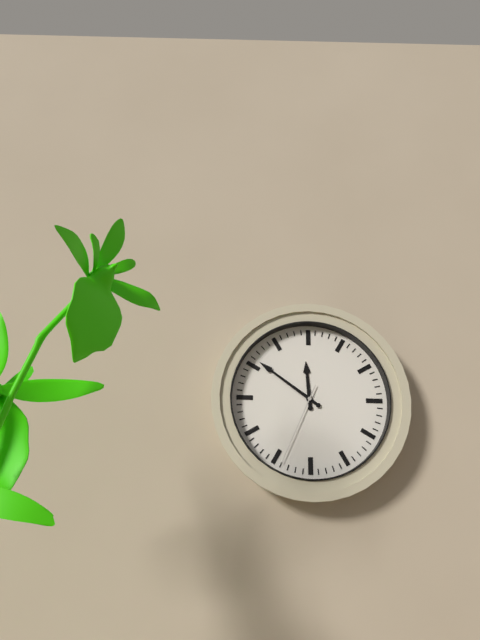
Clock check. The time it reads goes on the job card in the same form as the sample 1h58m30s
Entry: 11h51m34s
